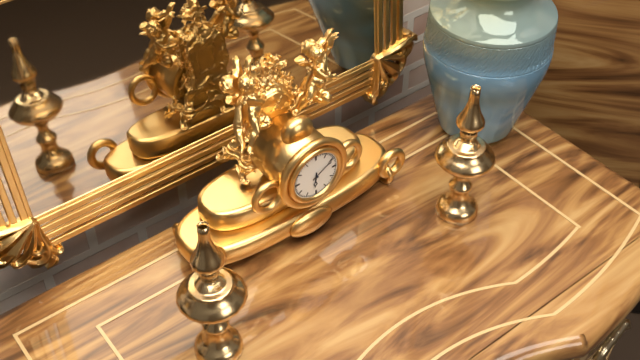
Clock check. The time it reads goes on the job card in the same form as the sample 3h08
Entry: 6h10
